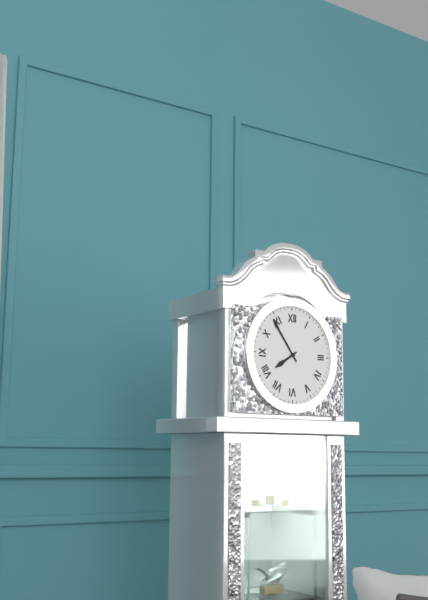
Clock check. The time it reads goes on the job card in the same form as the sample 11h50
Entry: 7h54
